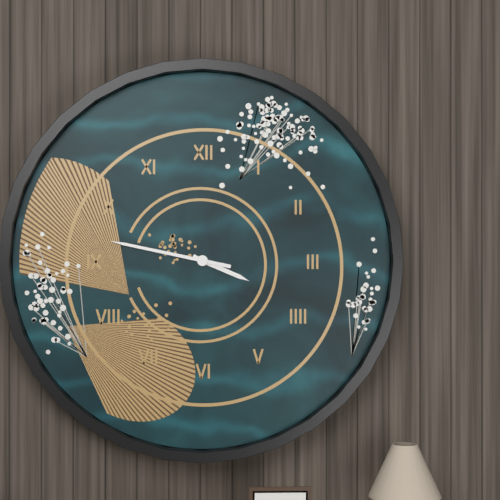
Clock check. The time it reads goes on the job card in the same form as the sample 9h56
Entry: 3h47
